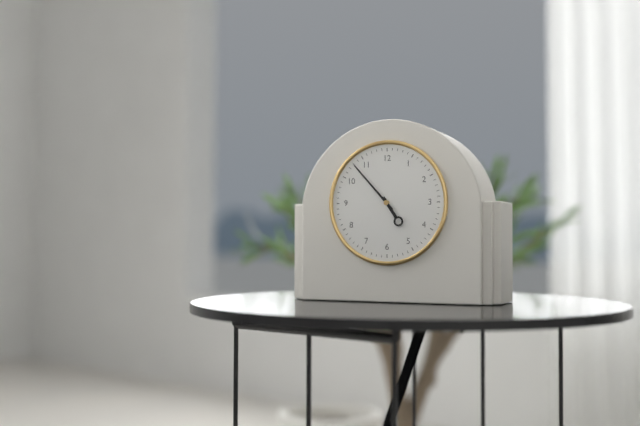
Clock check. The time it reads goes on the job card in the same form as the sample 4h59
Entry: 4h53
